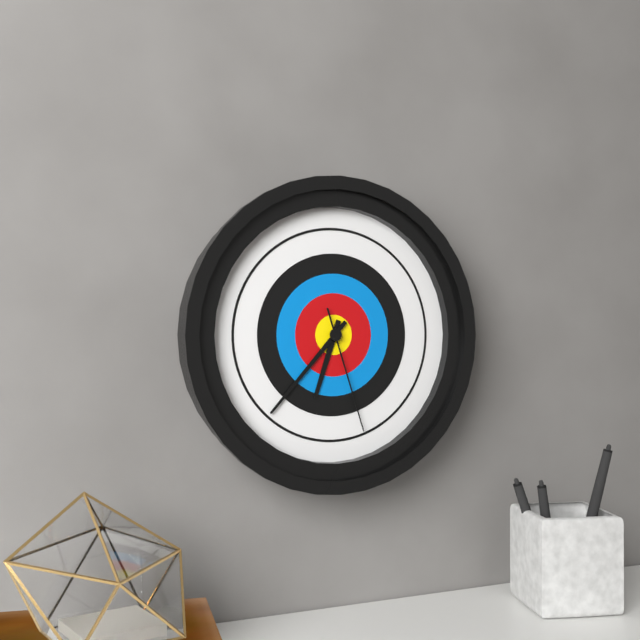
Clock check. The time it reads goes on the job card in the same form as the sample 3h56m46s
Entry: 6h37m27s
